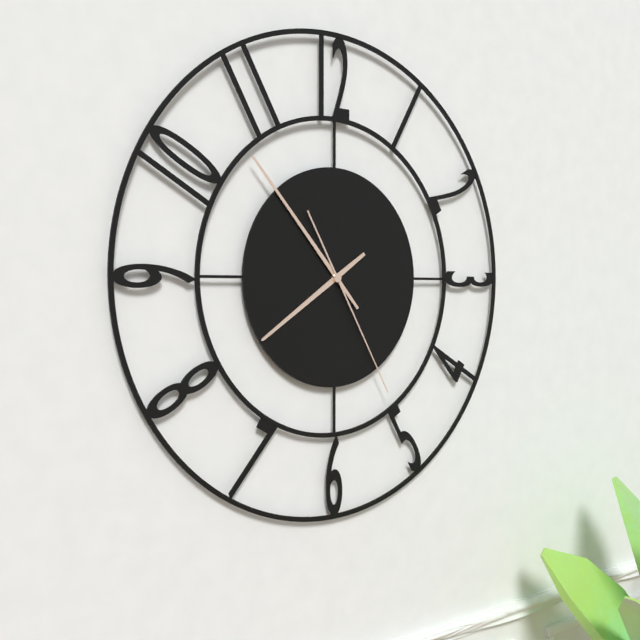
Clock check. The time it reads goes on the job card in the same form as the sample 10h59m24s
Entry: 7h53m25s
